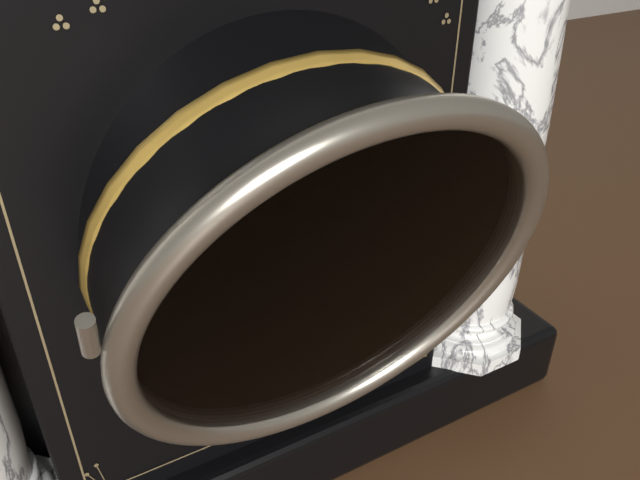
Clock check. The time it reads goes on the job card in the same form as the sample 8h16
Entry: 3h54
